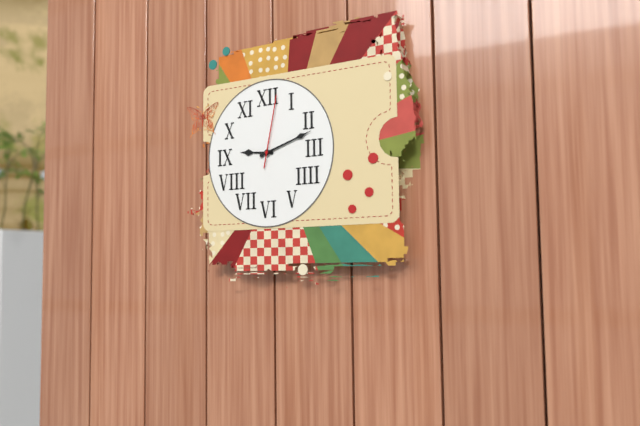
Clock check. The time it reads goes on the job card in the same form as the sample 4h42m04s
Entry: 9h12m02s
